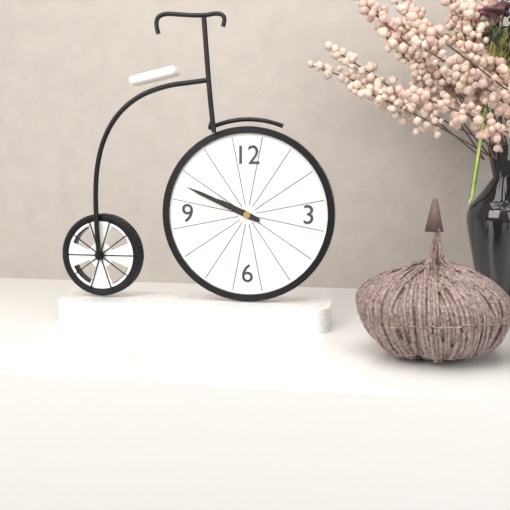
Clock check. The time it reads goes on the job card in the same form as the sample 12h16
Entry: 9h49
